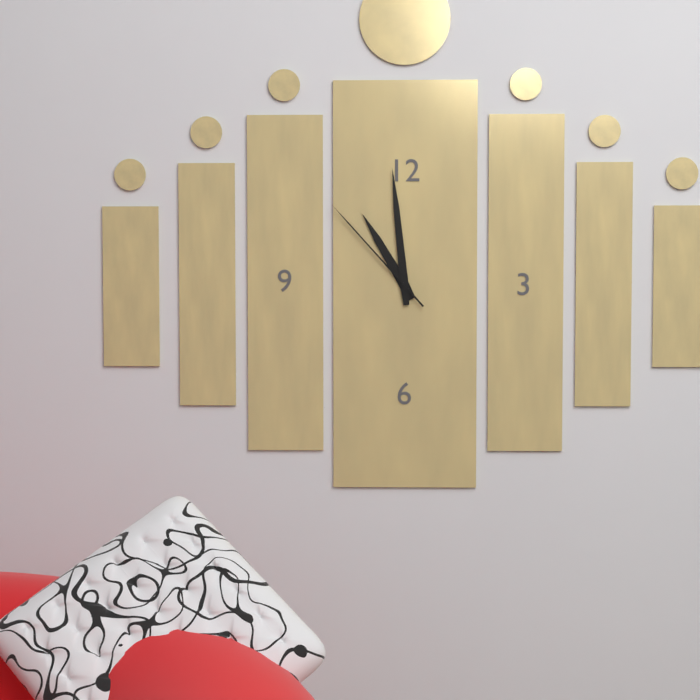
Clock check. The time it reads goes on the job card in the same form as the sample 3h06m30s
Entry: 10h59m53s
